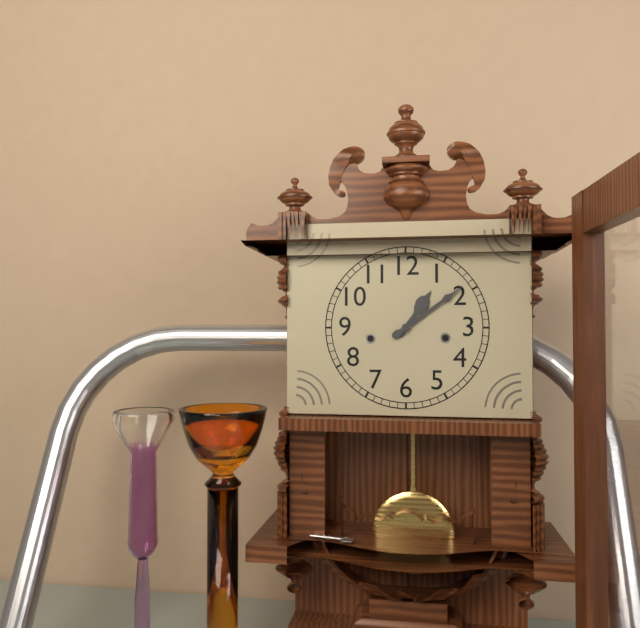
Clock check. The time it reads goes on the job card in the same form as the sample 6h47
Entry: 1h09
